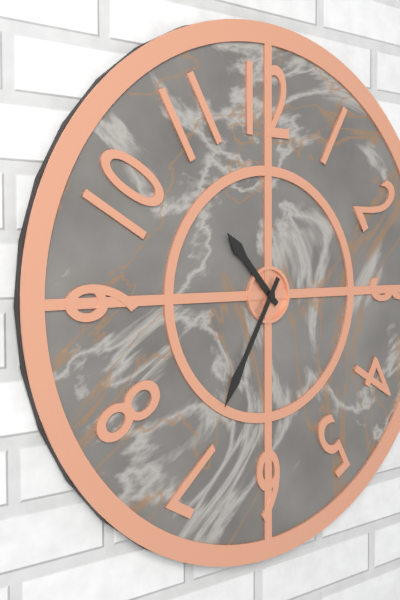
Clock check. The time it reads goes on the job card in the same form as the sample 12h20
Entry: 10h35
